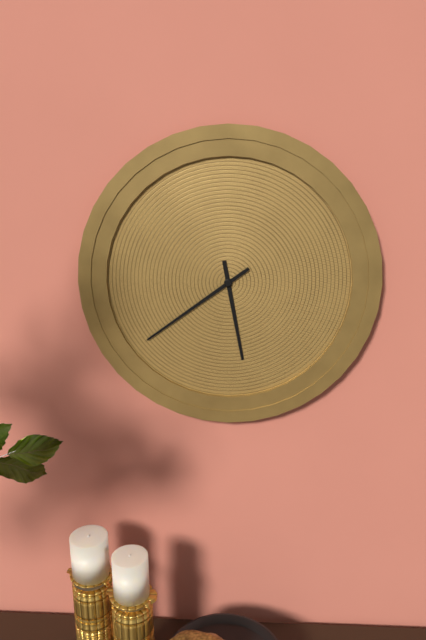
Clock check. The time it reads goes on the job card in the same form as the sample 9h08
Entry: 5h39
